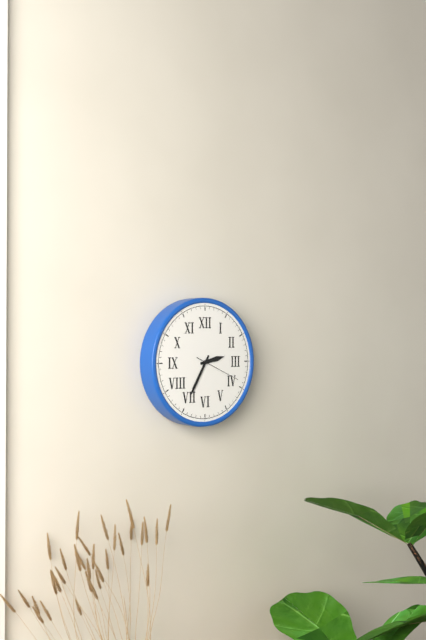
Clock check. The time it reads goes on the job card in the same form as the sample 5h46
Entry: 2h35
